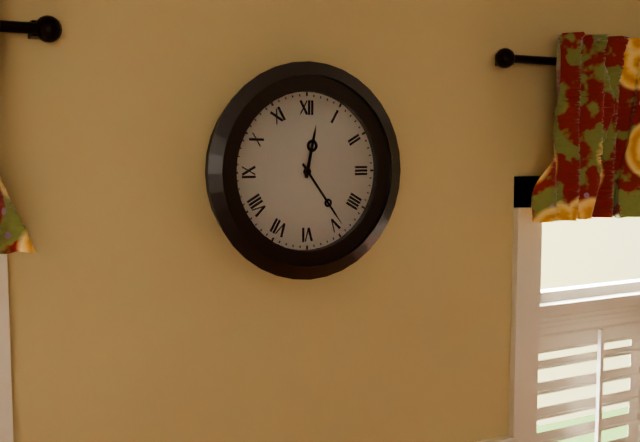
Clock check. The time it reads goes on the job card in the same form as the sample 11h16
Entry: 12h24
